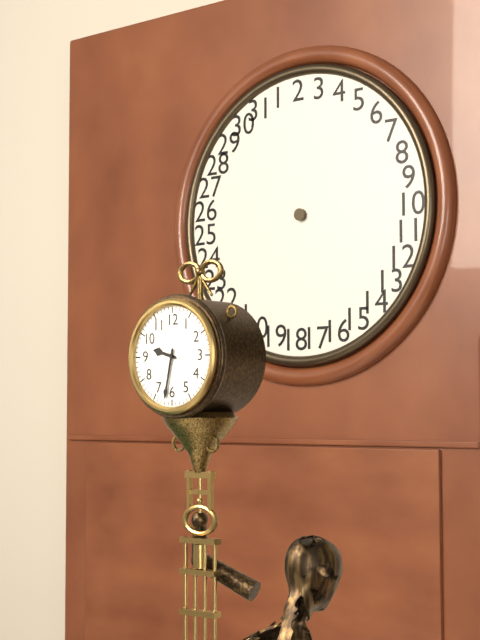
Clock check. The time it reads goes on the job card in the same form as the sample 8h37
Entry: 9h32
